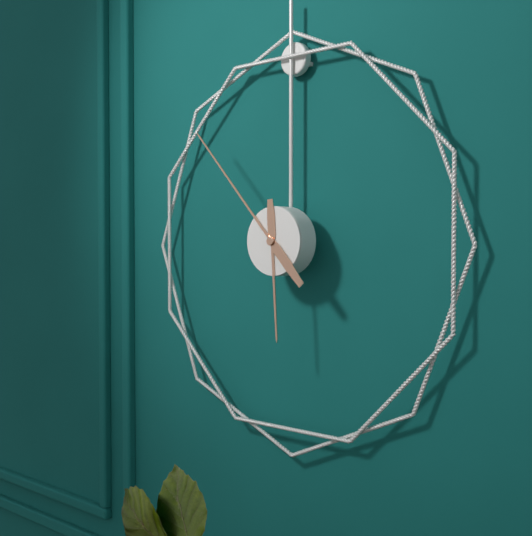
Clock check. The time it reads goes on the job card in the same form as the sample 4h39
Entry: 5h53
